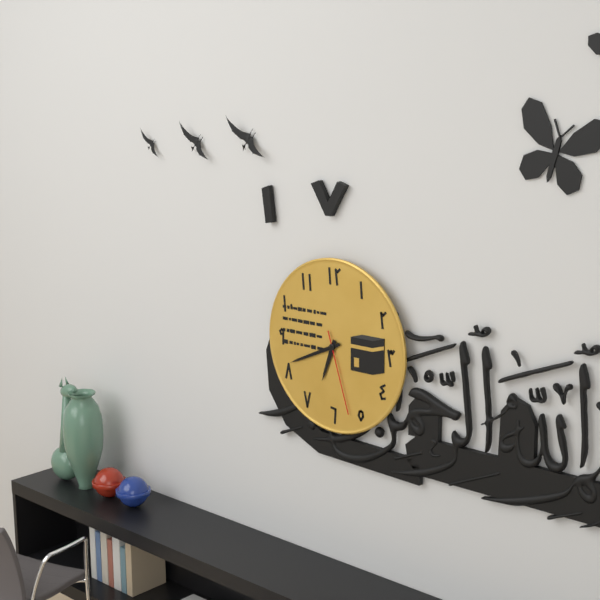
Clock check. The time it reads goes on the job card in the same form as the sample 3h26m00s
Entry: 6h41m27s
